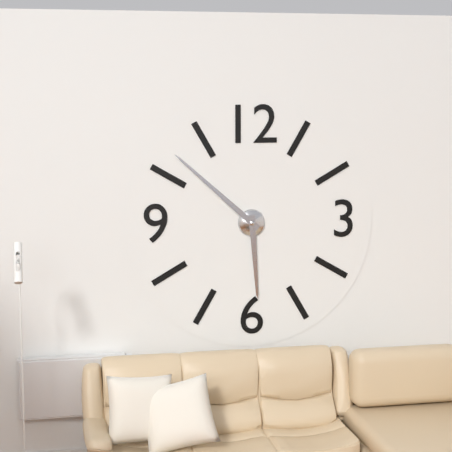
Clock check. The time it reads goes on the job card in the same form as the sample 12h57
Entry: 5h52
